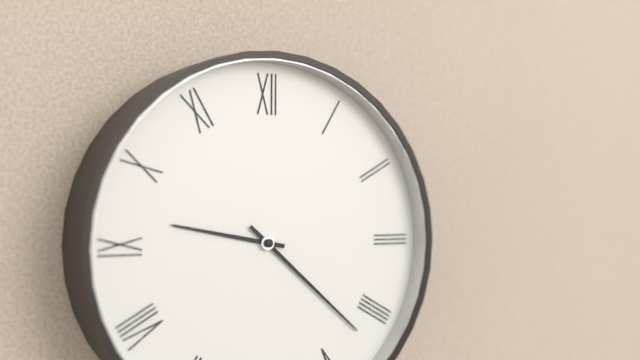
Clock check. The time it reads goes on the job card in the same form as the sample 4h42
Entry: 9h22
